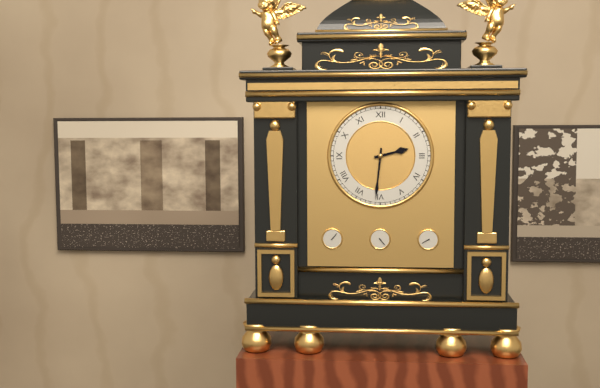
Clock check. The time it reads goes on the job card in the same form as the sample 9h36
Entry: 2h31
